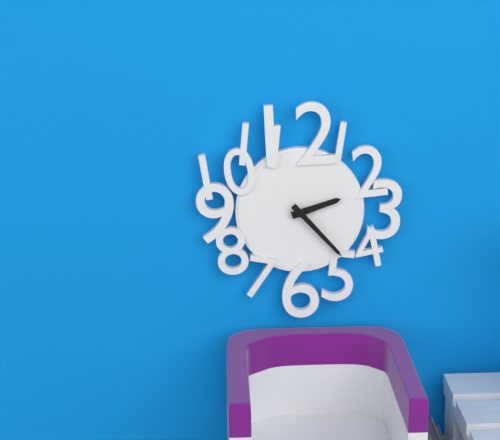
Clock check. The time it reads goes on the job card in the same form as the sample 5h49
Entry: 2h23
